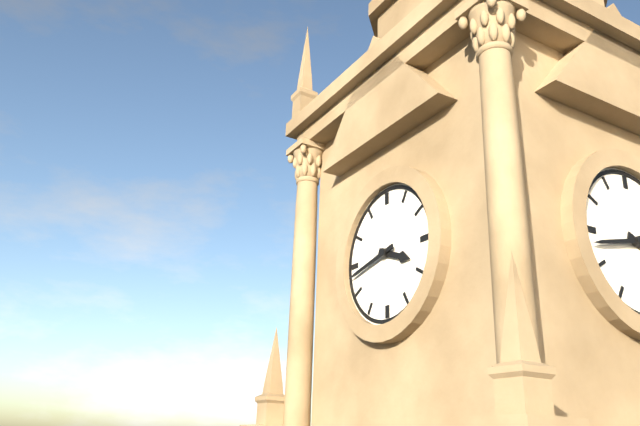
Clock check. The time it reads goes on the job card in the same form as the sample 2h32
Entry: 3h43
